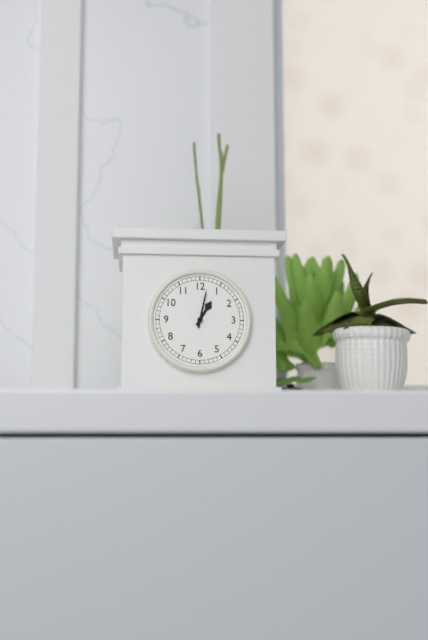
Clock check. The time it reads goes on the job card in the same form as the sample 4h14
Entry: 1h02
